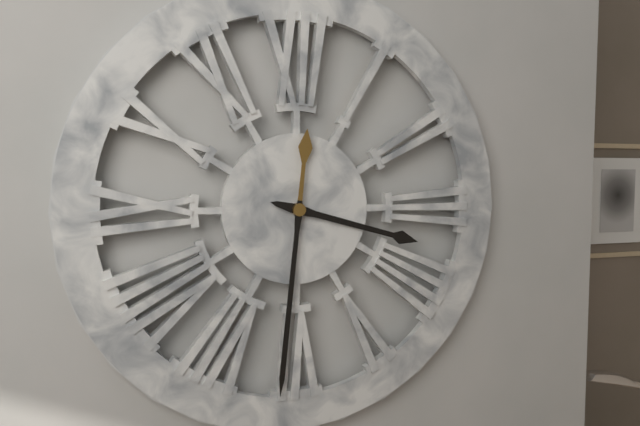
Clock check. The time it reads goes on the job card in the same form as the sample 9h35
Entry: 3h31
